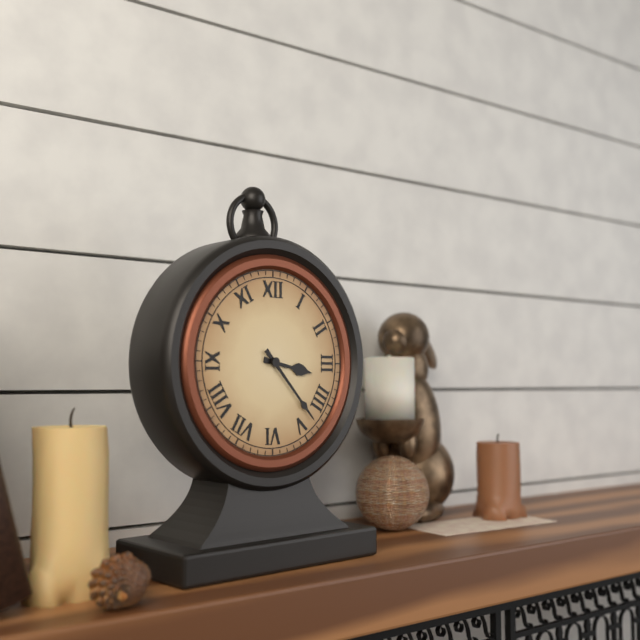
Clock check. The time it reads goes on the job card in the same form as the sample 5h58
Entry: 3h23
